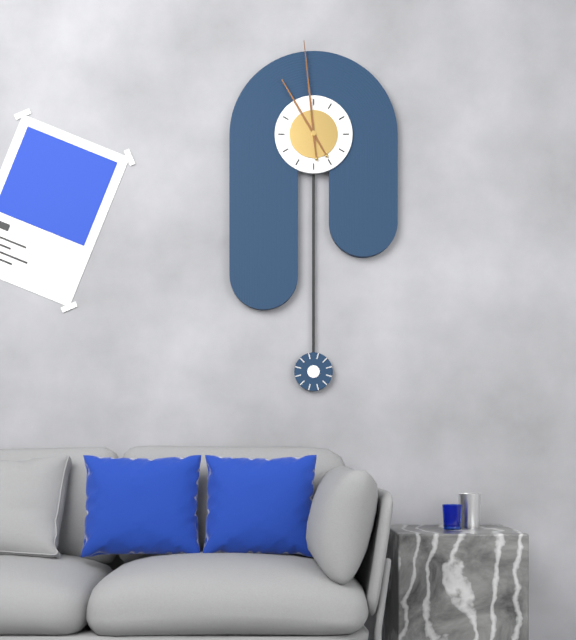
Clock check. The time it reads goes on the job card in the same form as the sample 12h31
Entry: 10h59
